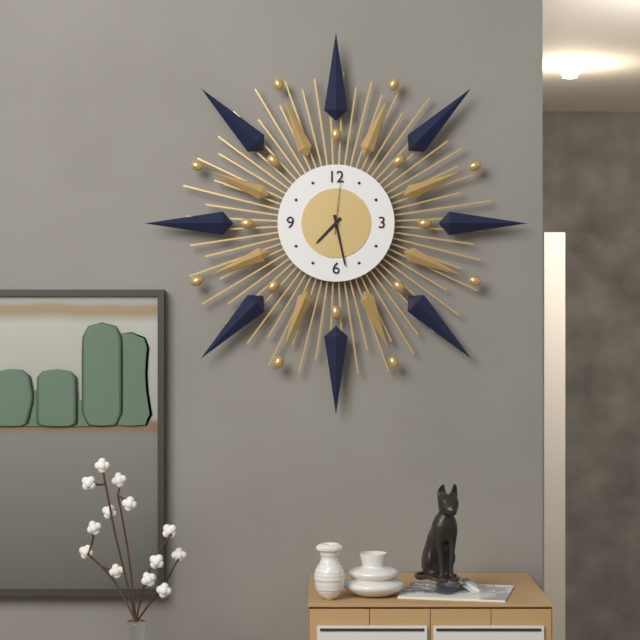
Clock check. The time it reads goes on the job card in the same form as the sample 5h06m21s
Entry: 7h28m01s
